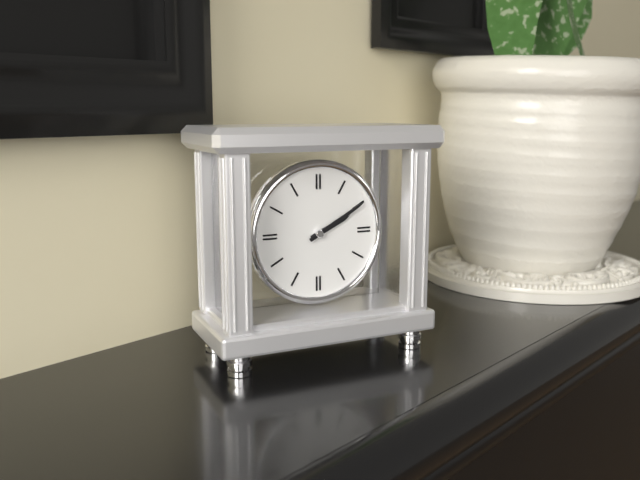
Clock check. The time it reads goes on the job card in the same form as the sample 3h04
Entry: 2h10
